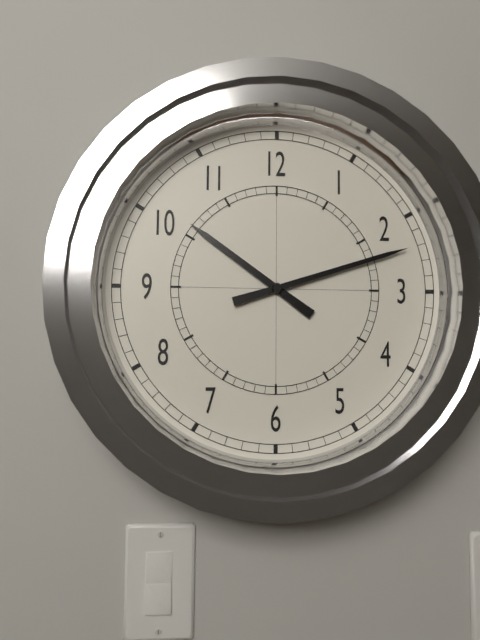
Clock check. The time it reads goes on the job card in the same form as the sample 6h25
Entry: 10h12
